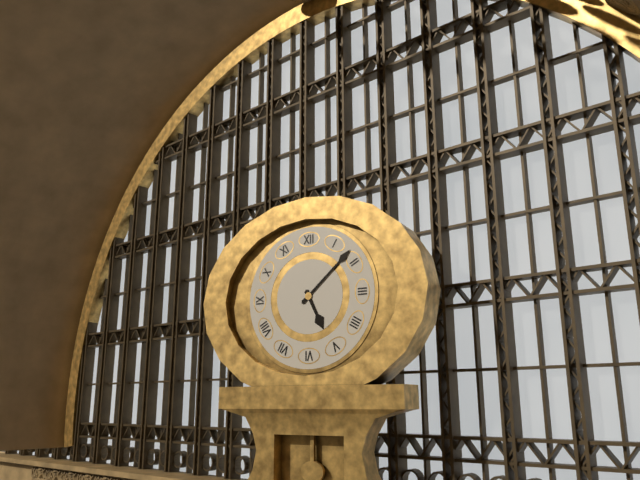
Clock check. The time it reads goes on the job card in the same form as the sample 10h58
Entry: 5h08
